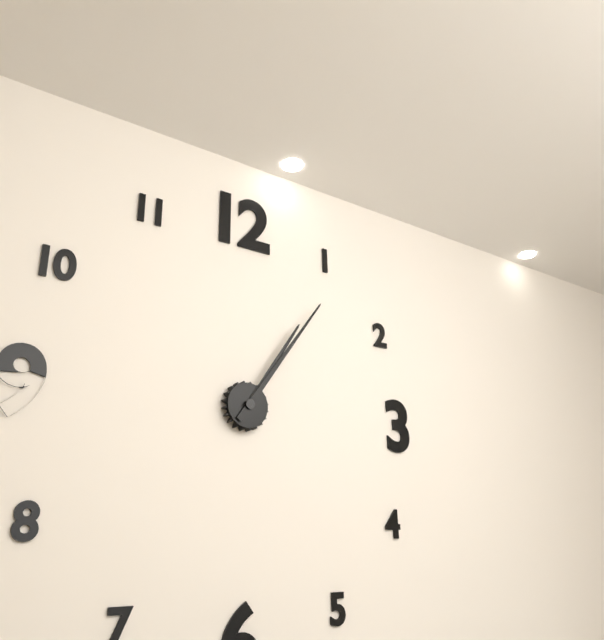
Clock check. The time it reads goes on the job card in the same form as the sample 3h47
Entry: 1h06
